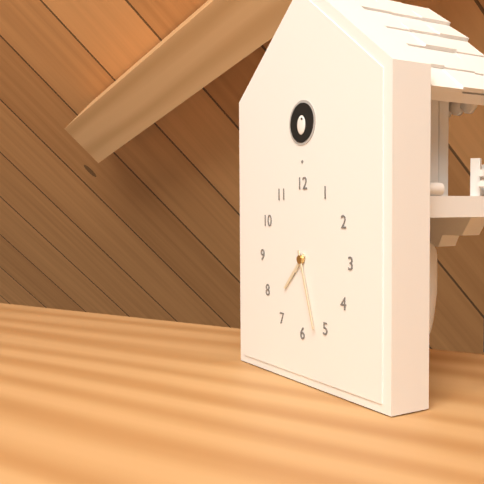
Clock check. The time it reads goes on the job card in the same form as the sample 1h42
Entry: 7h27
